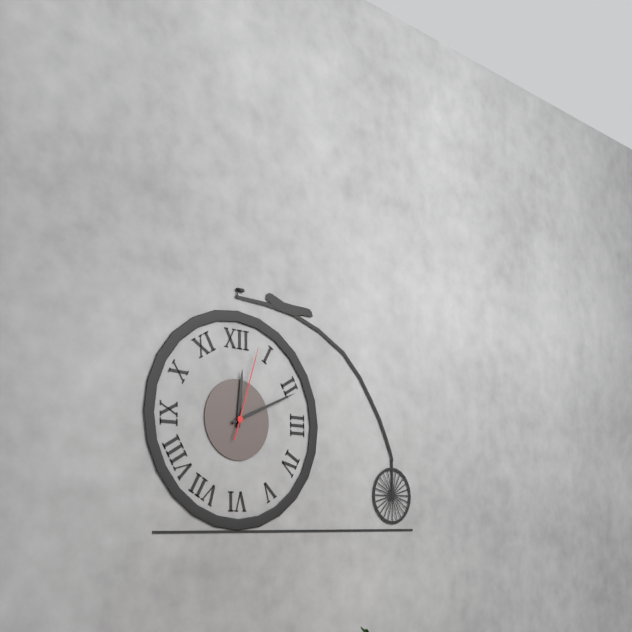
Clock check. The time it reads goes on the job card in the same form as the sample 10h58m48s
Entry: 12h11m03s
